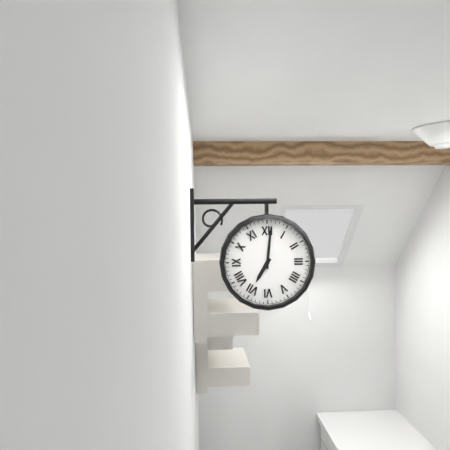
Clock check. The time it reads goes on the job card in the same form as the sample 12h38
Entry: 7h01
